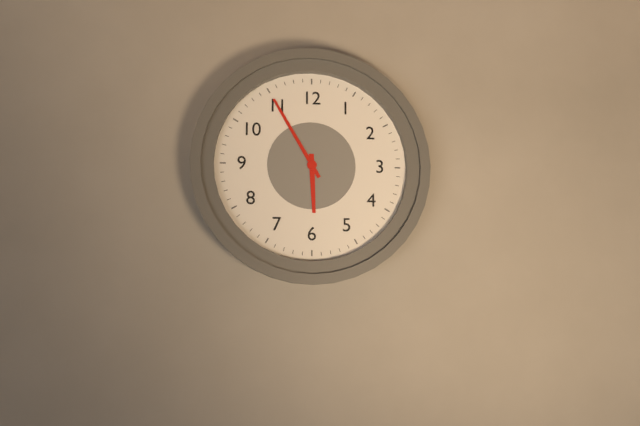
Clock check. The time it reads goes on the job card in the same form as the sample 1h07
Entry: 5h55
